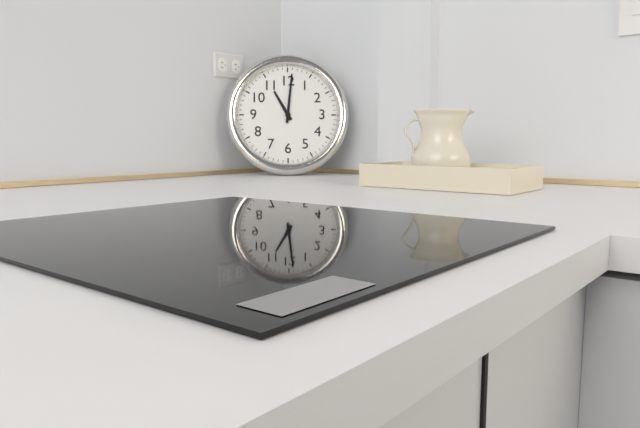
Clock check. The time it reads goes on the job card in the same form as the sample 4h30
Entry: 11h01
